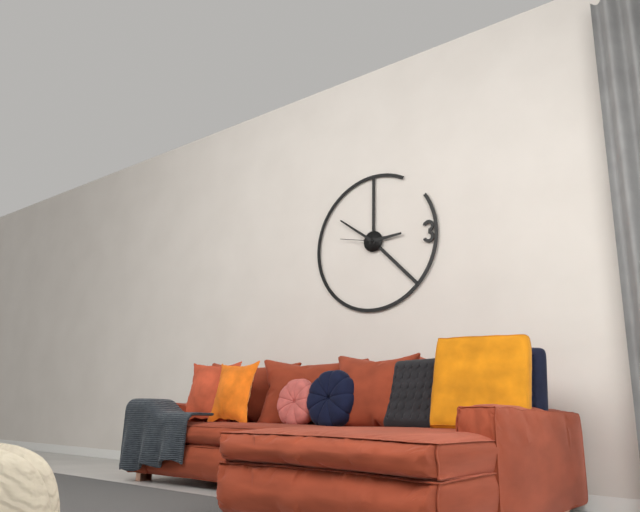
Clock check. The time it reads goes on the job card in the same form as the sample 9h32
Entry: 2h51
